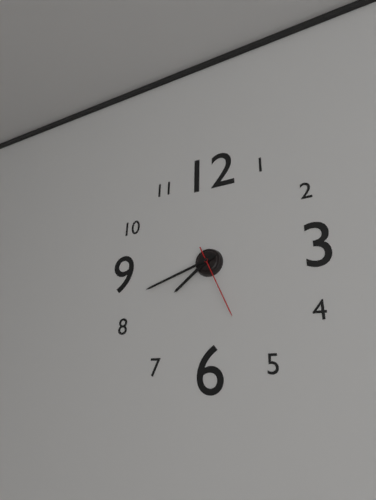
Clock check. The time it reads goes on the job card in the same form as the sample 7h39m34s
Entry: 7h42m26s
